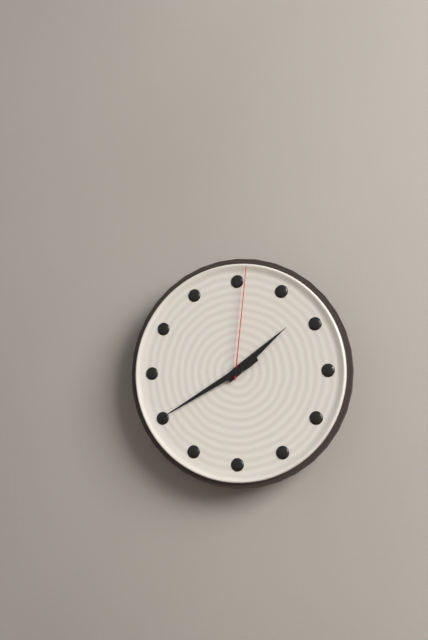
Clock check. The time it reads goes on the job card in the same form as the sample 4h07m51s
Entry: 1h40m01s
